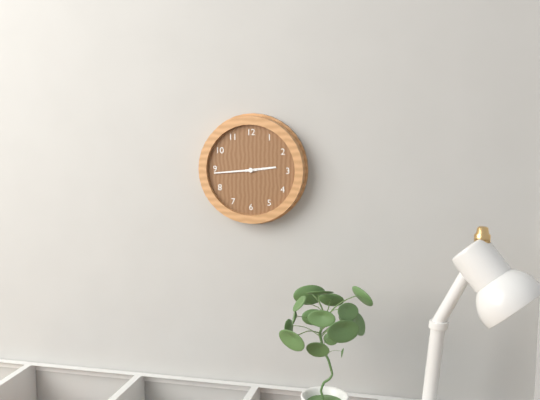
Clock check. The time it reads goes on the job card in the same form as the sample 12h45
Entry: 2h44
